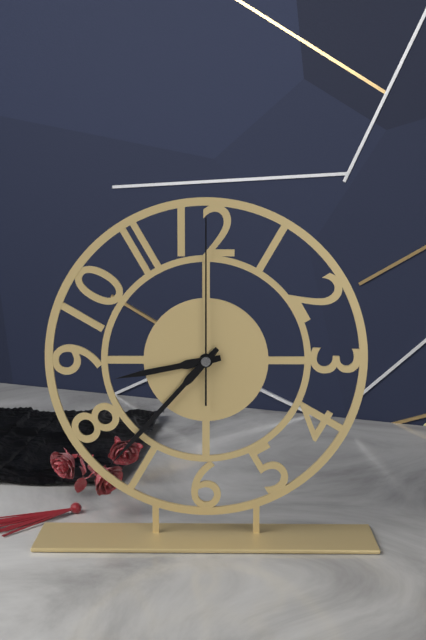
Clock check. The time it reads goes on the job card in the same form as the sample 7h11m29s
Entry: 8h37m00s
